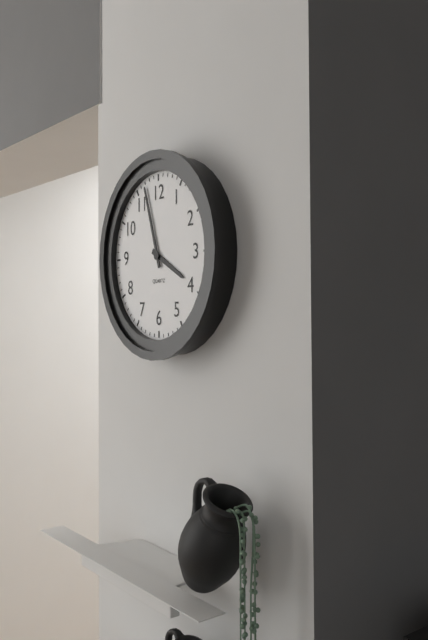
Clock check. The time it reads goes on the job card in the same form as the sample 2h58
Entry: 3h57
